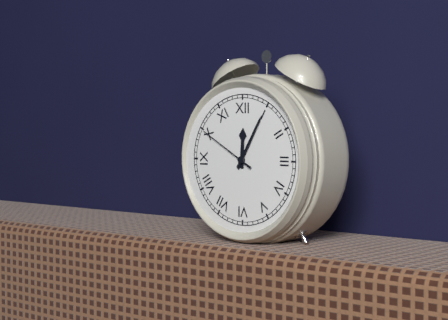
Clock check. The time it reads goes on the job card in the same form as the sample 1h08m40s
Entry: 12h05m50s
